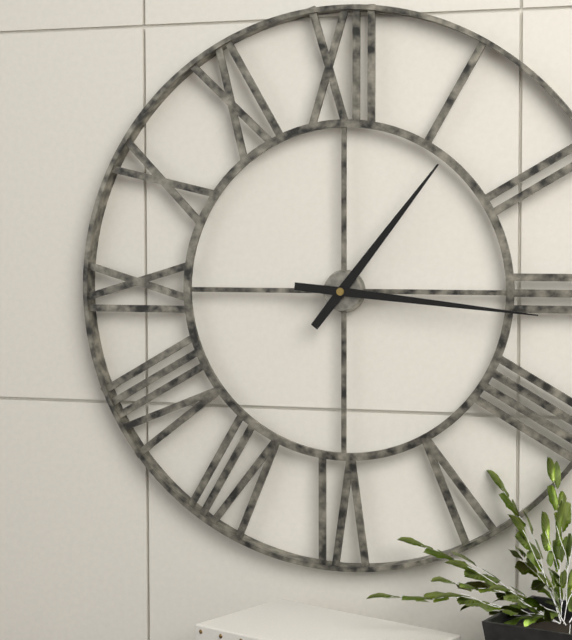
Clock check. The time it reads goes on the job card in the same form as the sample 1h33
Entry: 1h16
